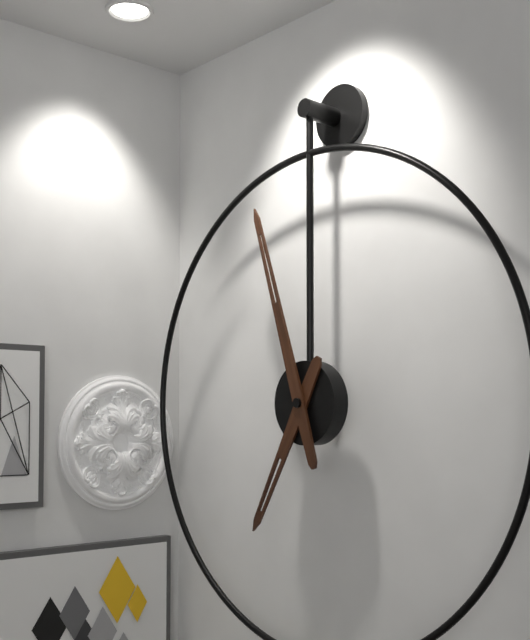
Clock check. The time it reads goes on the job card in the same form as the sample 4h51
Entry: 6h57
